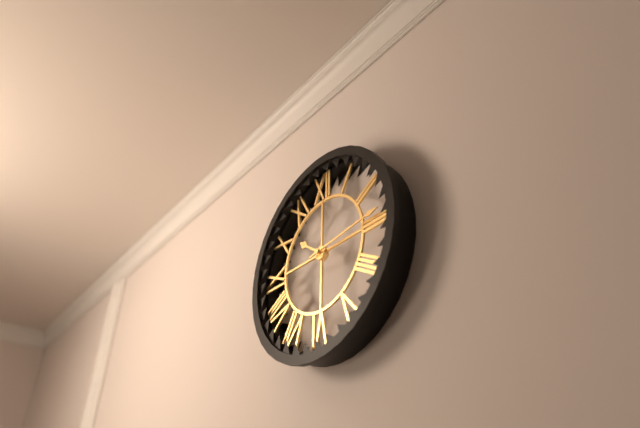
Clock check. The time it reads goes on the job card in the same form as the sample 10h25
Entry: 10h14
